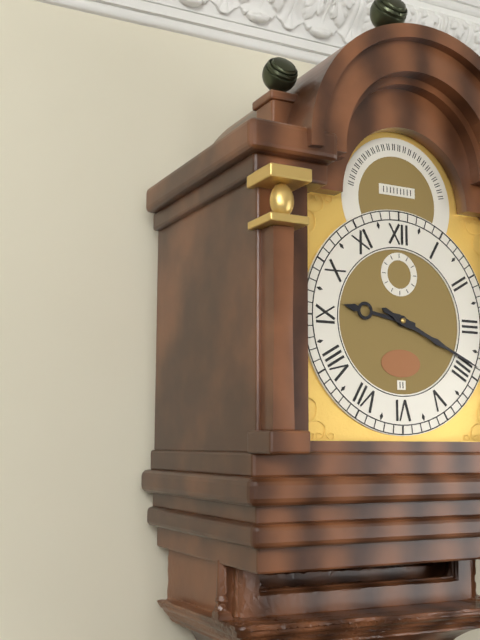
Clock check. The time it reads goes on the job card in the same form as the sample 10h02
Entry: 9h19
